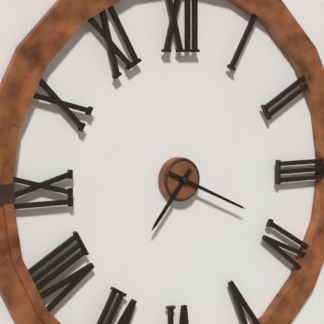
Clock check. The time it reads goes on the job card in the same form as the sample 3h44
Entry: 7h19
